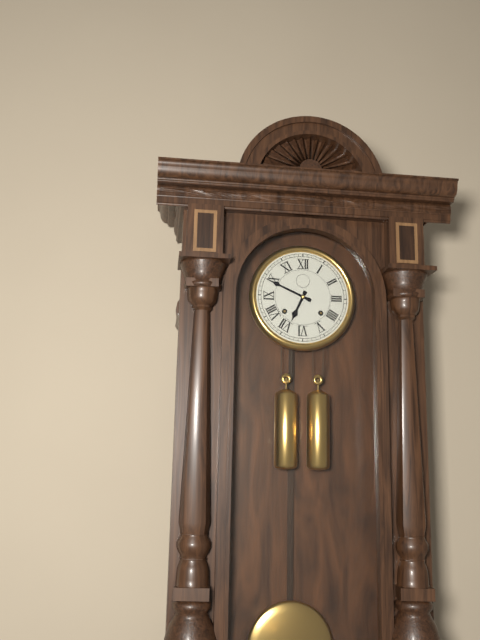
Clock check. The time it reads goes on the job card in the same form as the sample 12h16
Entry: 6h49
